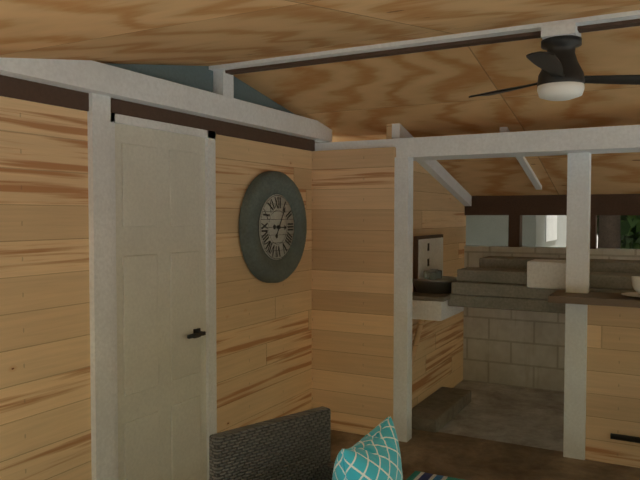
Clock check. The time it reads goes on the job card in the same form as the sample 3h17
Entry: 3h05
